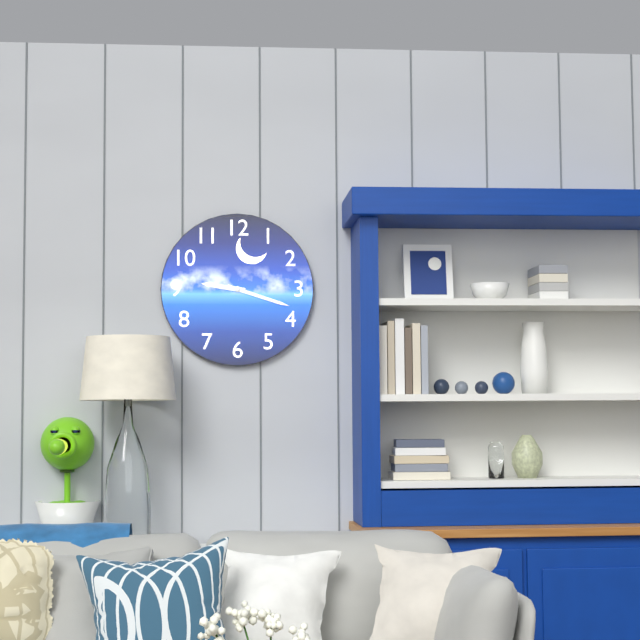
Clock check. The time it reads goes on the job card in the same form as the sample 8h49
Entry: 9h18
